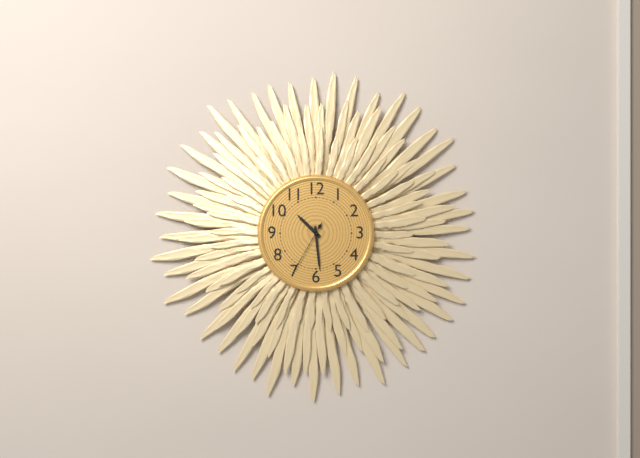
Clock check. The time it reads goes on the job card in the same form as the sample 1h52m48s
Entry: 10h29m35s
